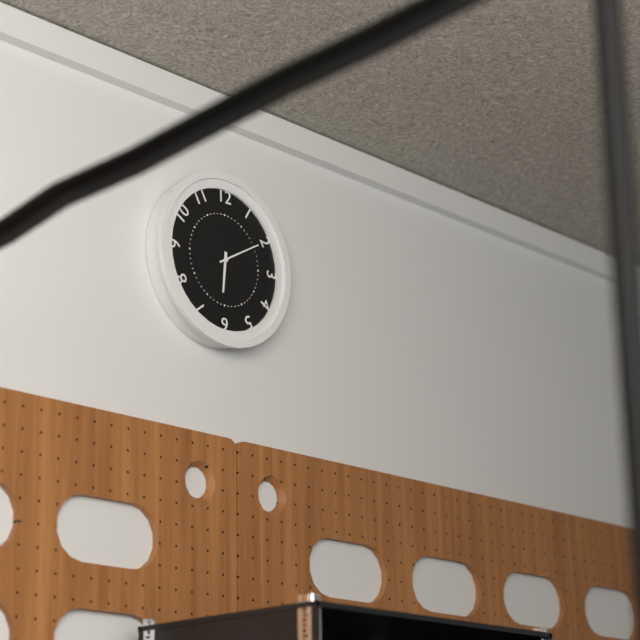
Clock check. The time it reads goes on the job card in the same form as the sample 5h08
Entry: 6h10
